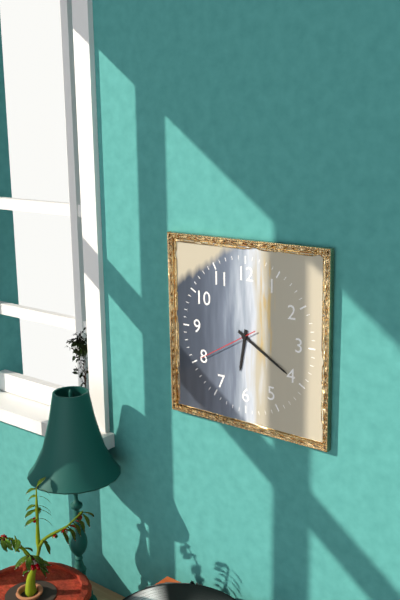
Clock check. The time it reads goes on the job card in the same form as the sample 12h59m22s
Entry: 6h20m40s
